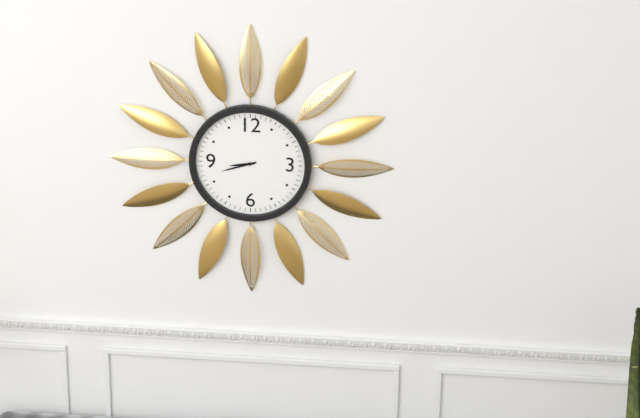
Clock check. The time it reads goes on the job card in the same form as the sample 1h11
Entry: 8h42
